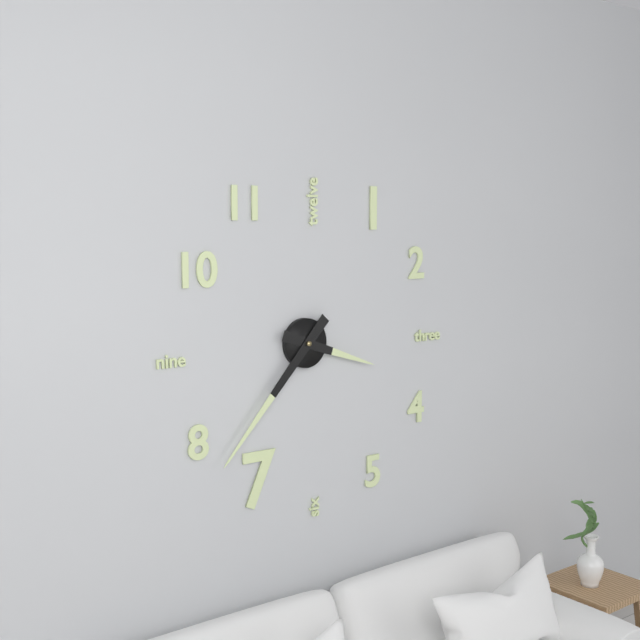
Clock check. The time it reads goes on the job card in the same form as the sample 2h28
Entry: 3h37
